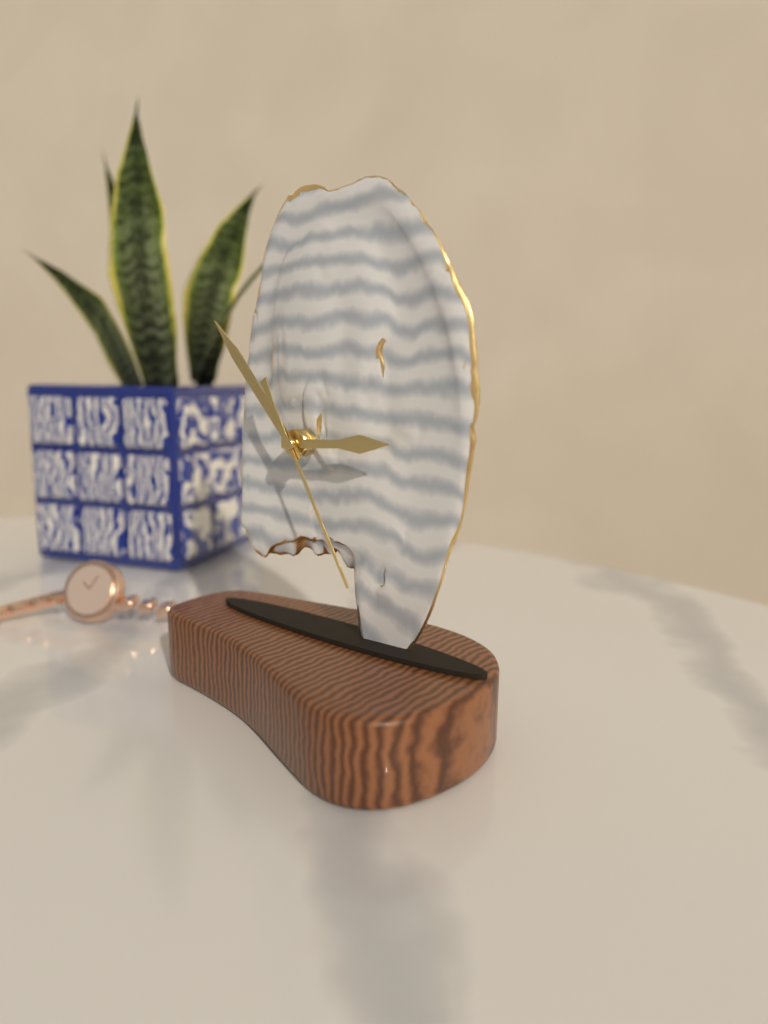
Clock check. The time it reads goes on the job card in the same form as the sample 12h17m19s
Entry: 2h53m25s
